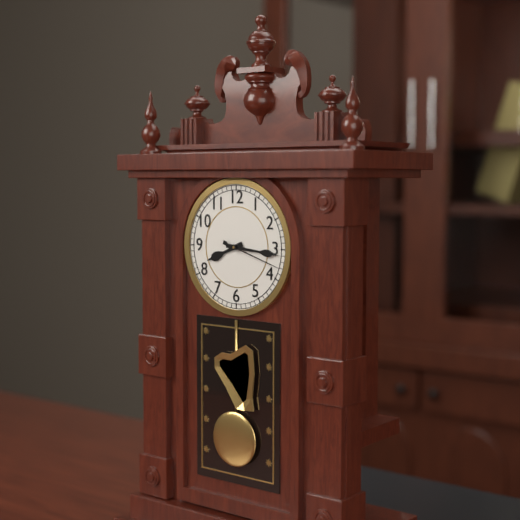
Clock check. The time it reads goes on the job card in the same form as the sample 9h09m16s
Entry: 8h16m18s
